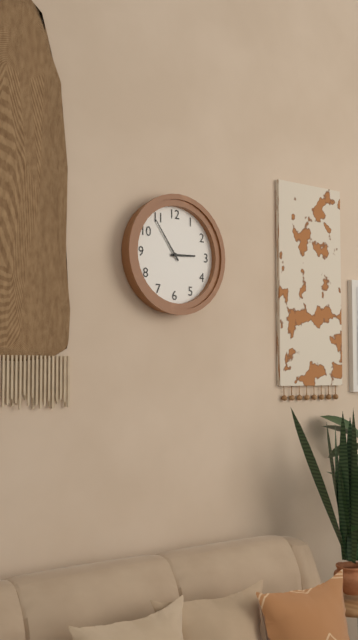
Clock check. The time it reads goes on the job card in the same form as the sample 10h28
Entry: 2h54
